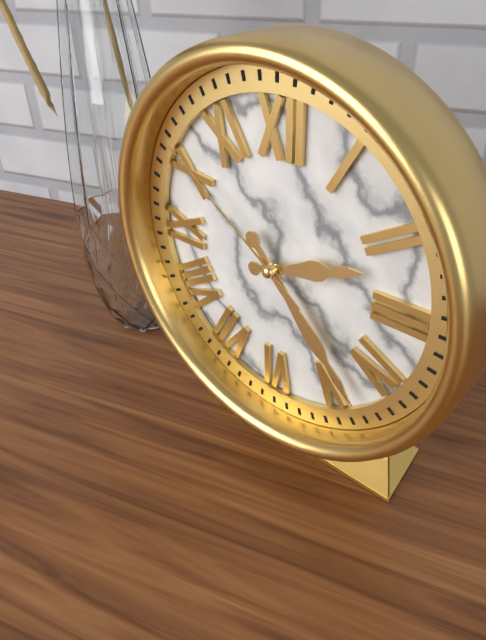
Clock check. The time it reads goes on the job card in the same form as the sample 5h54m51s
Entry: 2h23m51s
